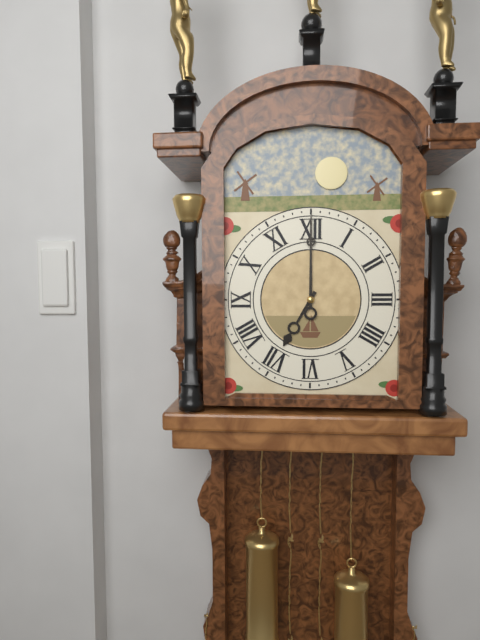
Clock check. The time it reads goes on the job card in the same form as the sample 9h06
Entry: 7h00
